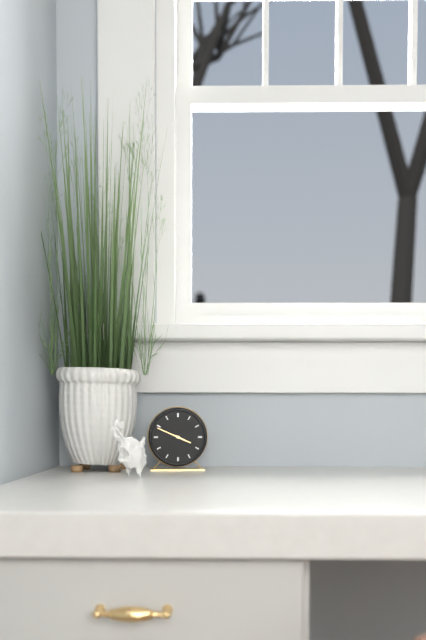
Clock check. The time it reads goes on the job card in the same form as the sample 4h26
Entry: 3h49
